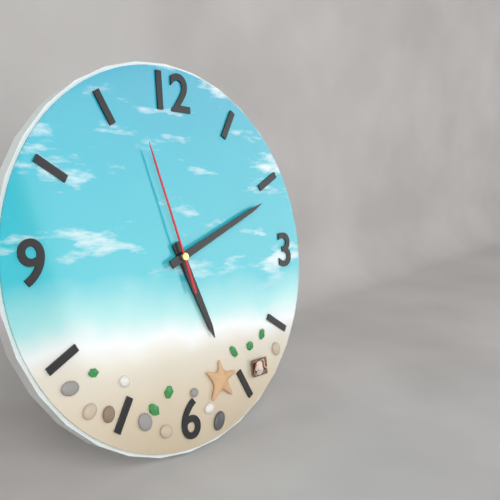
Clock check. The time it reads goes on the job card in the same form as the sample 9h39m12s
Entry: 5h11m57s
